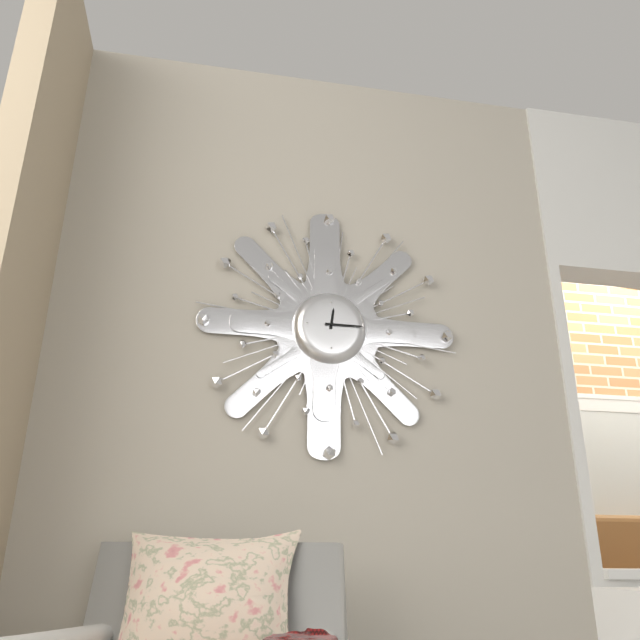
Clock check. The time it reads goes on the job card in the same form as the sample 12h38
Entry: 12h15
